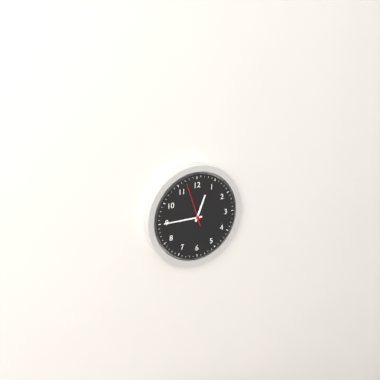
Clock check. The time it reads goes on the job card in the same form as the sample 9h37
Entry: 12h45
